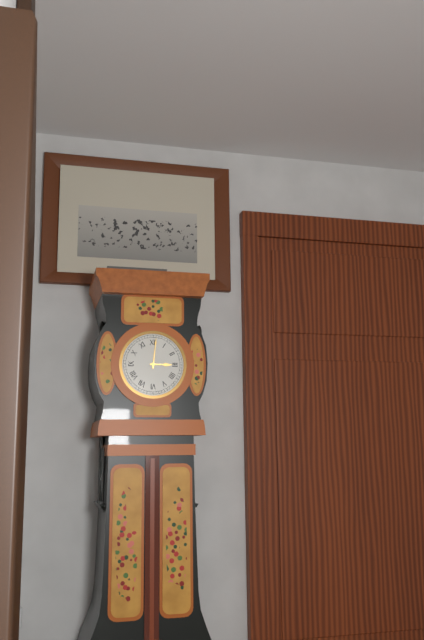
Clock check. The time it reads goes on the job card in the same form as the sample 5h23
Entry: 3h01
